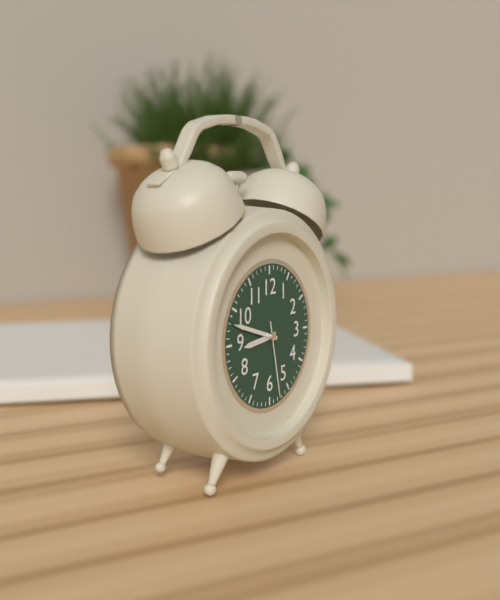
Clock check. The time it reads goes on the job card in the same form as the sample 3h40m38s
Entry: 8h48m28s
